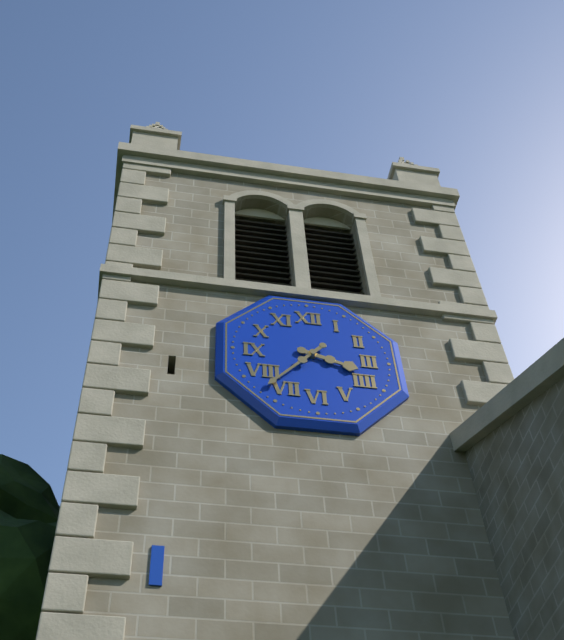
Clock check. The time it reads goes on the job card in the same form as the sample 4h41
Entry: 3h37
